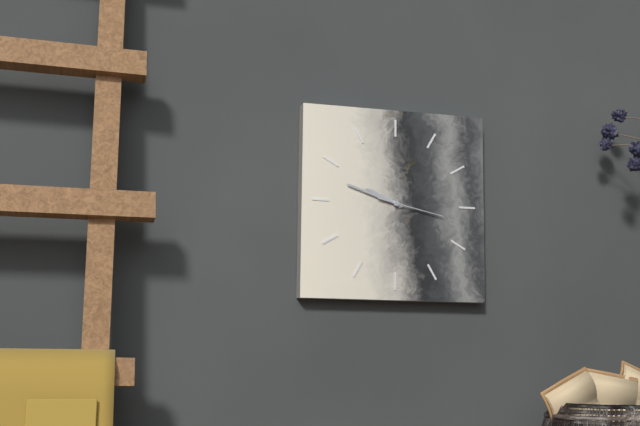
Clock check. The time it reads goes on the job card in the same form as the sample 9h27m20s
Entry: 9h48m17s
